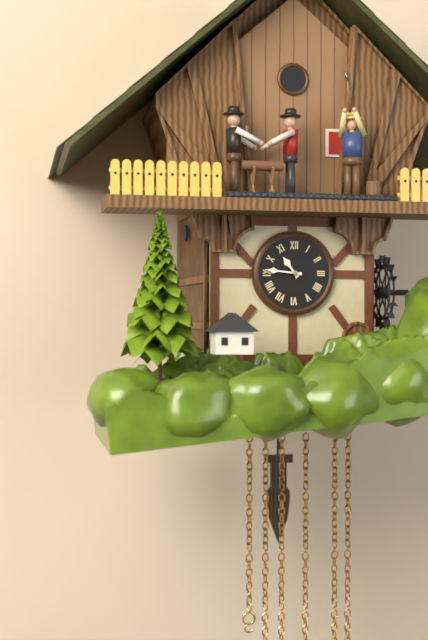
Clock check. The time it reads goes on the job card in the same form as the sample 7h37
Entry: 10h46
